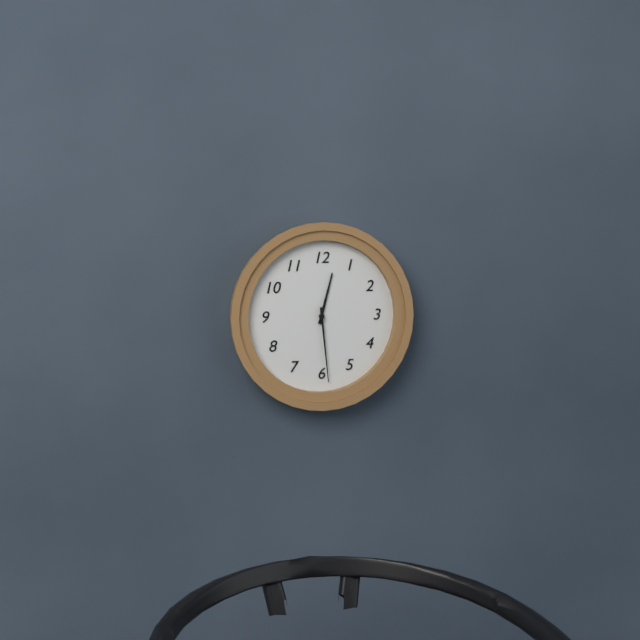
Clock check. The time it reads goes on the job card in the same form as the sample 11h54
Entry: 12h29
